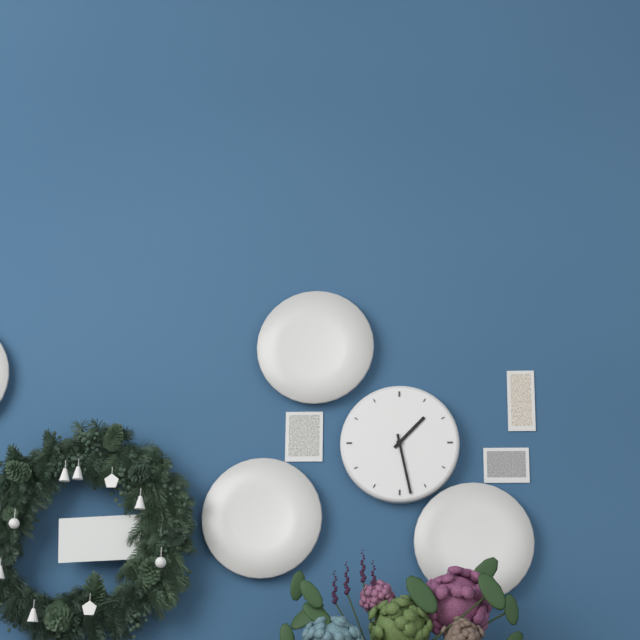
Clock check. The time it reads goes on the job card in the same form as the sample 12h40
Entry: 1h28
